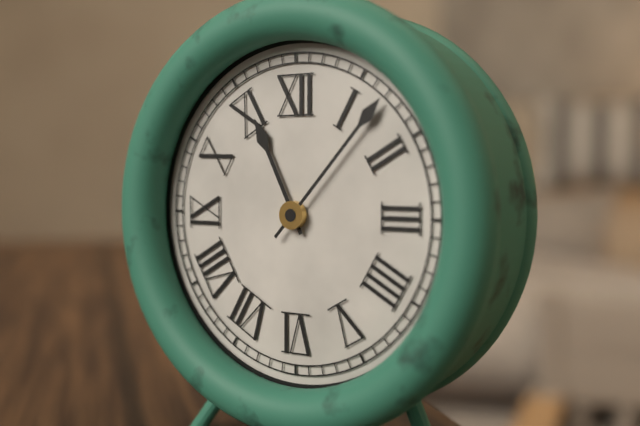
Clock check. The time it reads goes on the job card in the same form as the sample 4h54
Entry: 11h07
